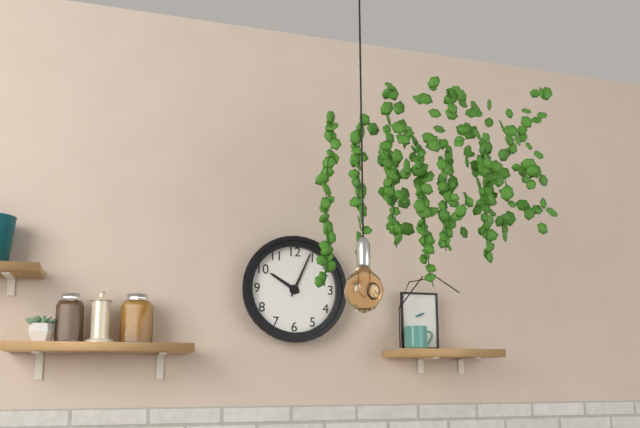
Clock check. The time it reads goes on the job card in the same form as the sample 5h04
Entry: 10h04
